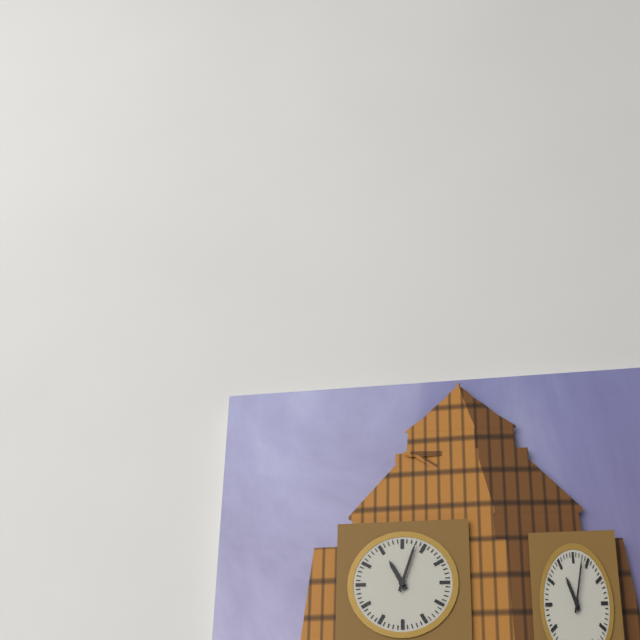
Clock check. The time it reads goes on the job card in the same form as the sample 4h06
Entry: 11h03
